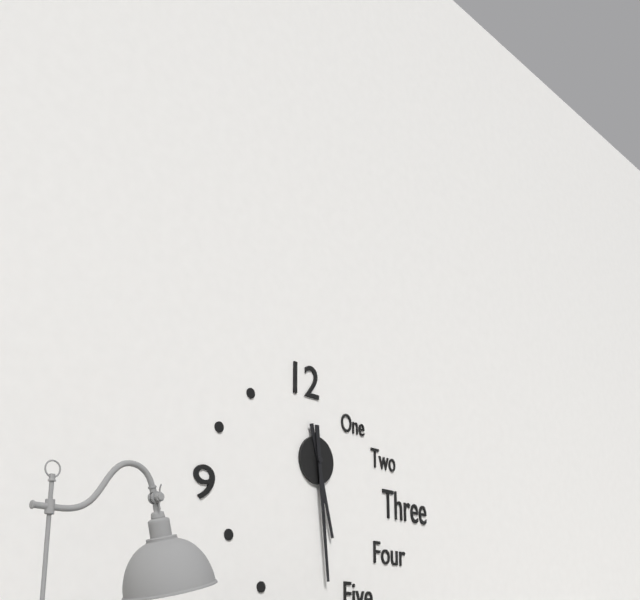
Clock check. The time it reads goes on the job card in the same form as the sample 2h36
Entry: 5h29
